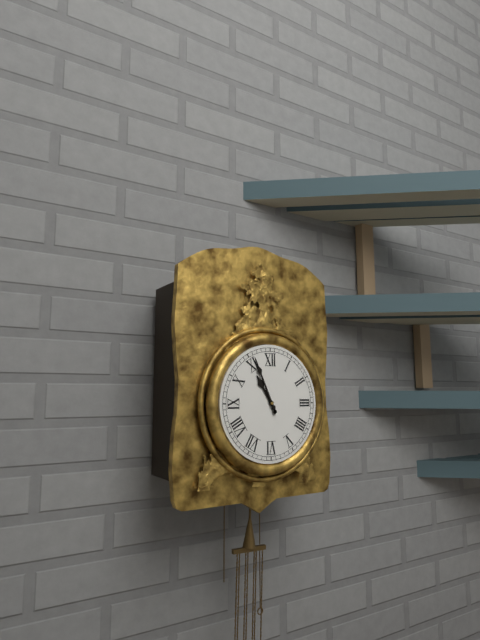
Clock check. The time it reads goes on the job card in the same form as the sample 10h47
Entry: 10h56
